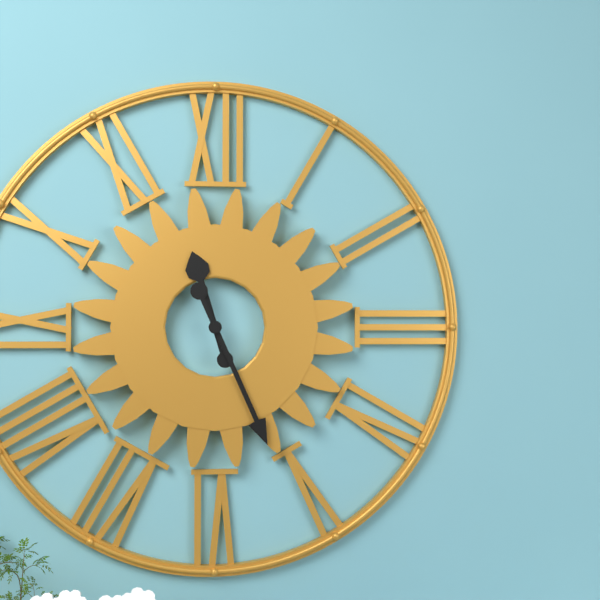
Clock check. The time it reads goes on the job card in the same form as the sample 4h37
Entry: 11h26
